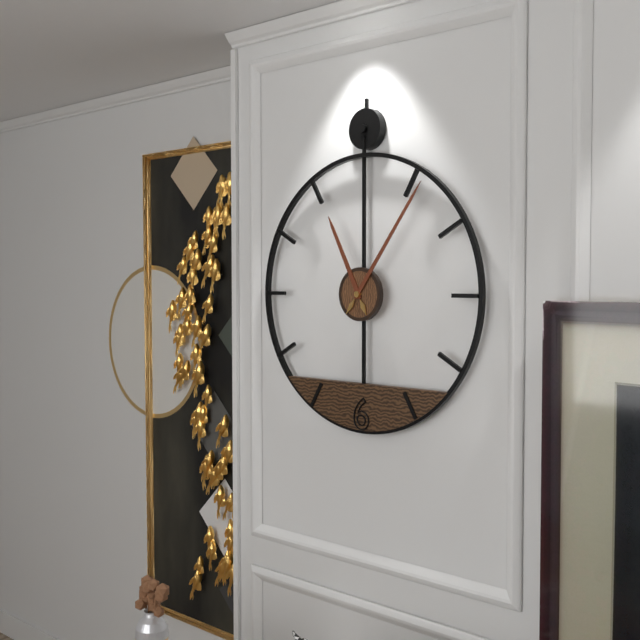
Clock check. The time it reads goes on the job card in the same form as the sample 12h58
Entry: 11h06
